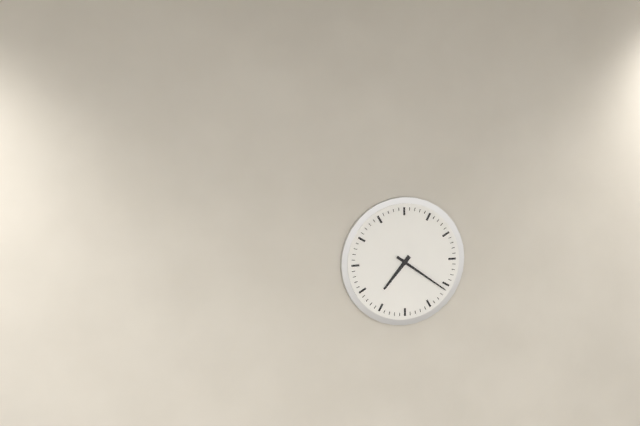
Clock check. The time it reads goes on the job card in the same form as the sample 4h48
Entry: 7h21
